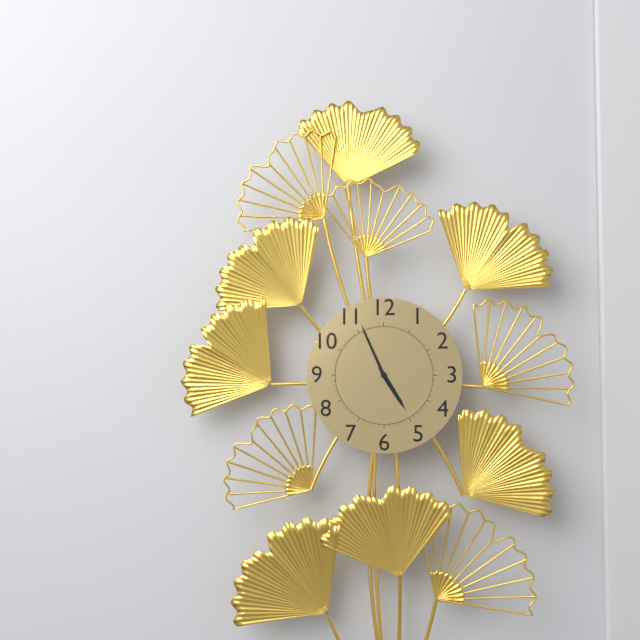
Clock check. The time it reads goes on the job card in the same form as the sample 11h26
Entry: 4h56
